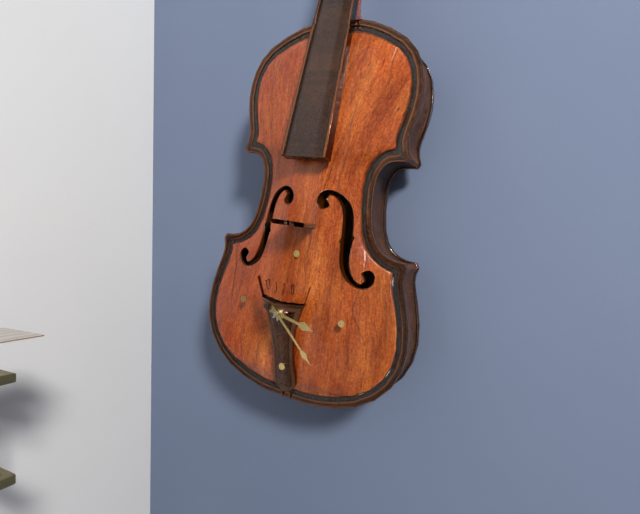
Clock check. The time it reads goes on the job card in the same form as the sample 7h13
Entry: 3h22
